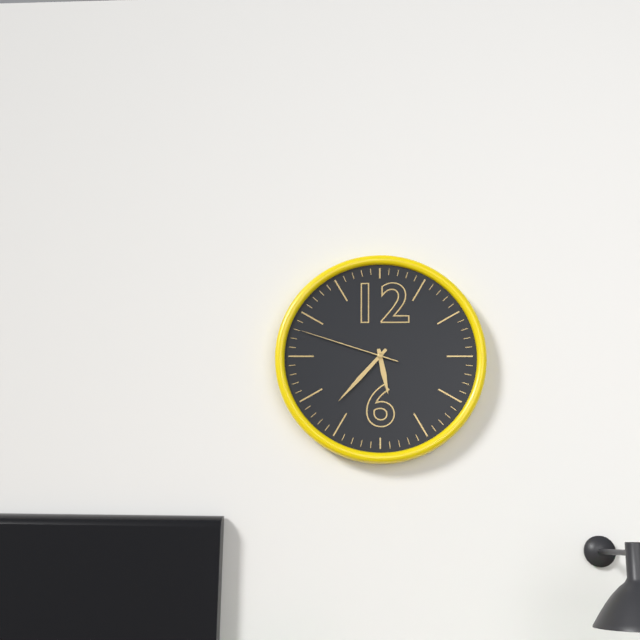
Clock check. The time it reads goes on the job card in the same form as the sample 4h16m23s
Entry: 5h37m48s
